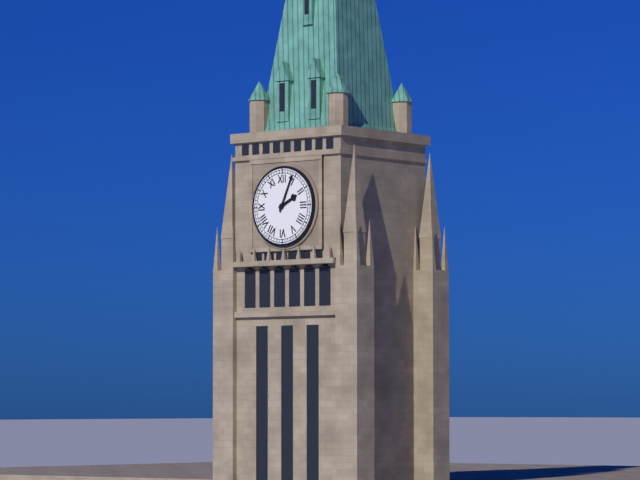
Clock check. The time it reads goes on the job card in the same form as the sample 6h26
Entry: 2h04
